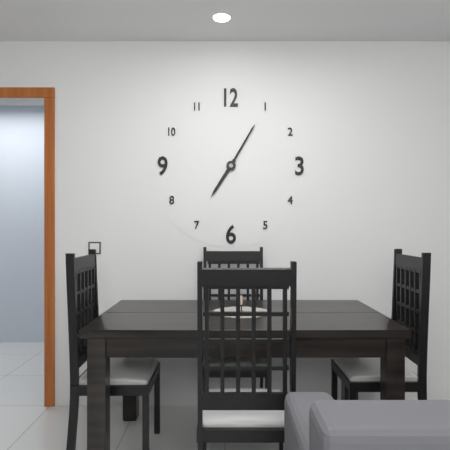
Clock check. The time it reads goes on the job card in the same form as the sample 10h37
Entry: 7h05
